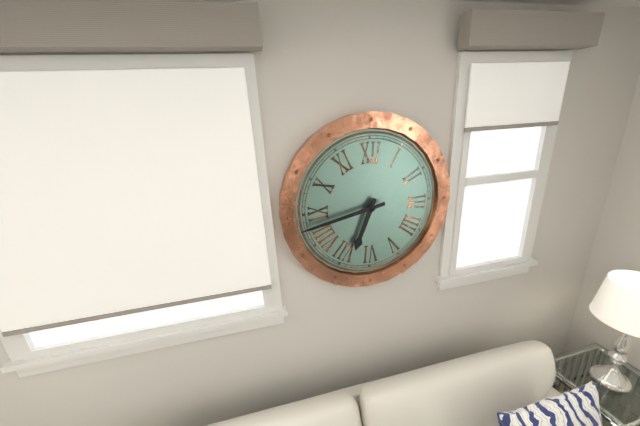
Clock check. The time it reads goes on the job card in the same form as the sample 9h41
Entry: 6h43
